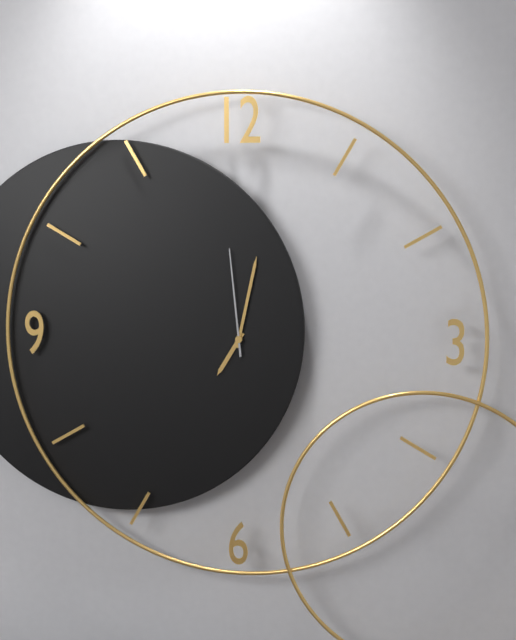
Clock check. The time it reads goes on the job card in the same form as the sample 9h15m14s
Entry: 7h02m59s
